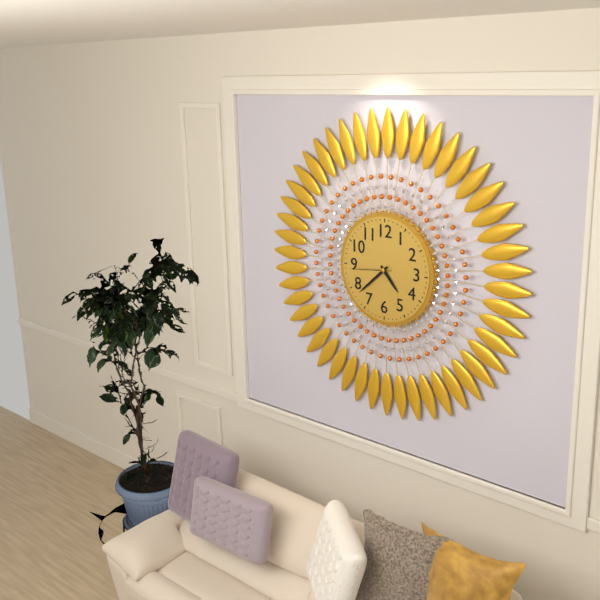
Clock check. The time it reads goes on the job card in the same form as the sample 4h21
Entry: 4h38
